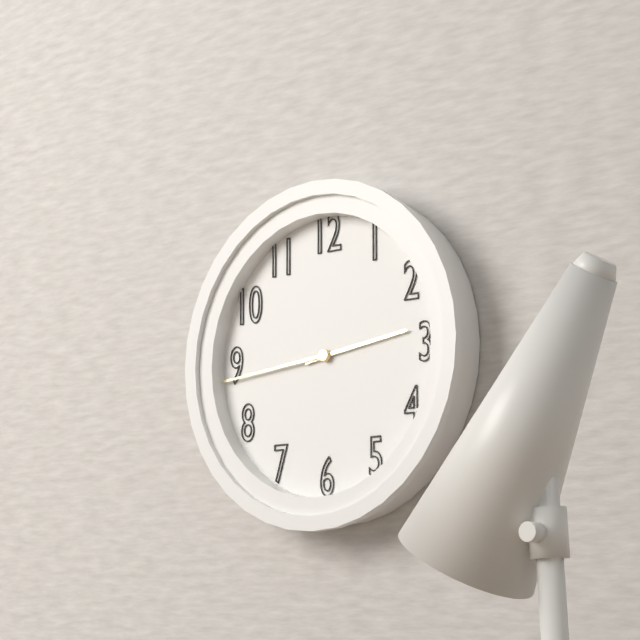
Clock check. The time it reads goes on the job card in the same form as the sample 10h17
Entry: 2h44
